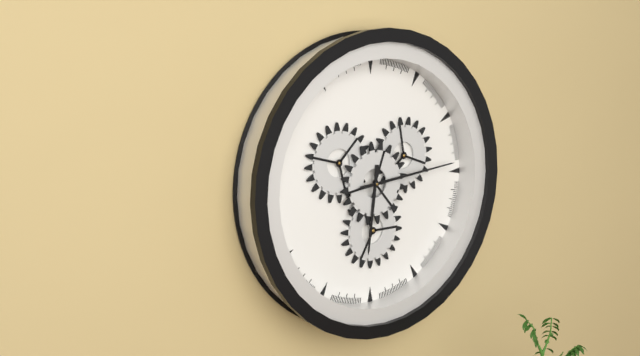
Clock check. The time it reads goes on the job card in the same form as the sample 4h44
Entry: 6h14
